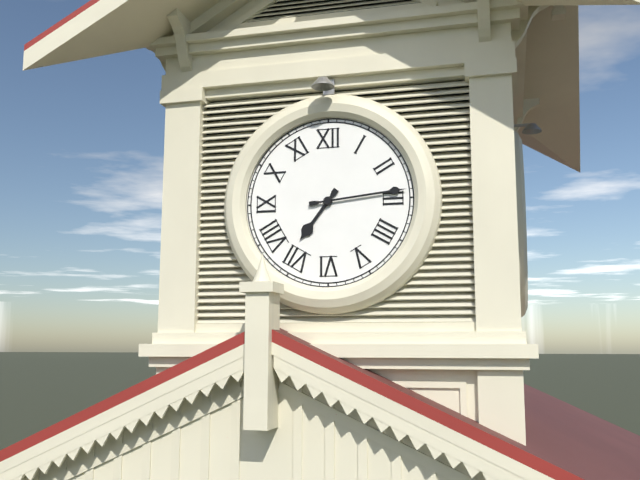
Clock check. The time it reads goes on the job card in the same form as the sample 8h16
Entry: 7h14
